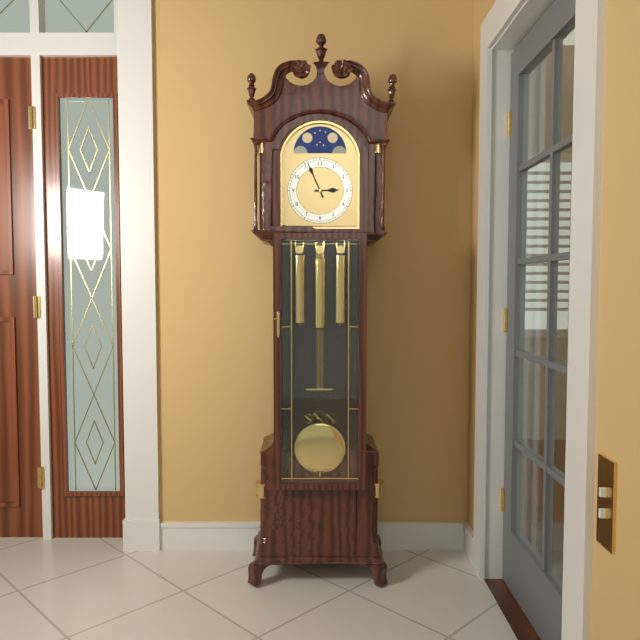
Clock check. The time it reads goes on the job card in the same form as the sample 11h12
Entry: 2h56
